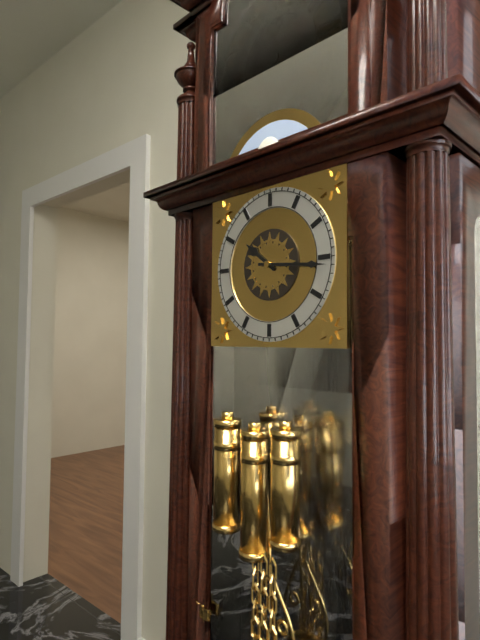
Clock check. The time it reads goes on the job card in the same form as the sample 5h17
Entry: 10h16
